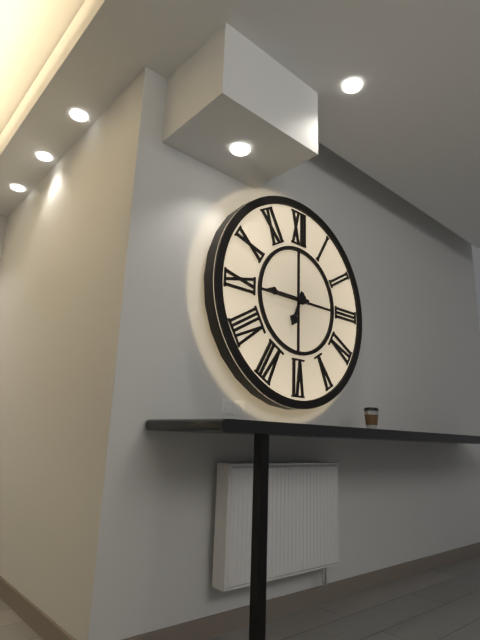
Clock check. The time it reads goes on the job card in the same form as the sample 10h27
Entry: 6h45
